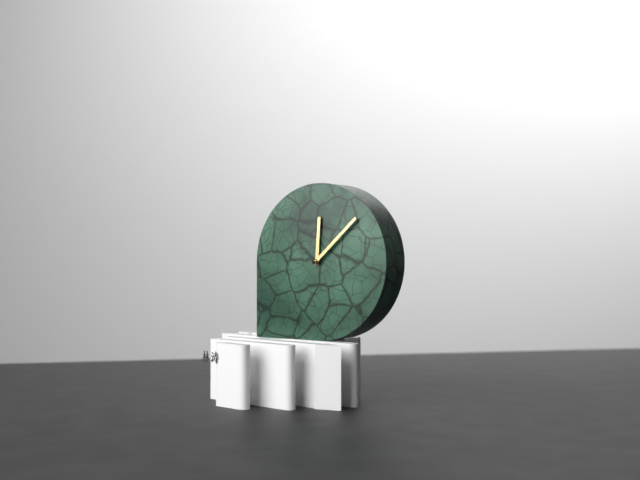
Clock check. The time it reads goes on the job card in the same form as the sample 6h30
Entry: 12h08
